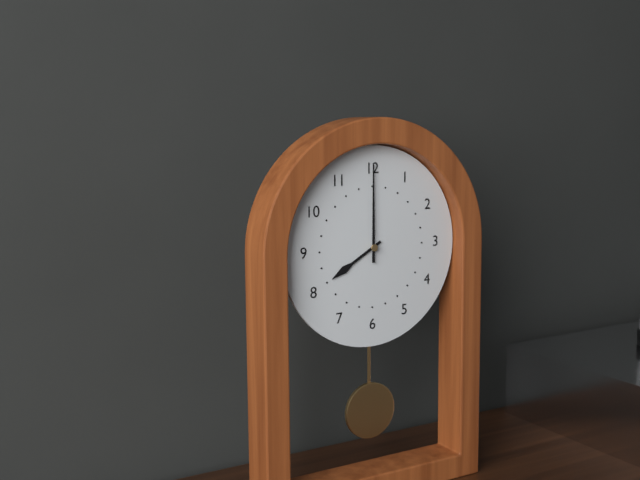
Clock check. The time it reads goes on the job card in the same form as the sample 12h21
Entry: 8h00
